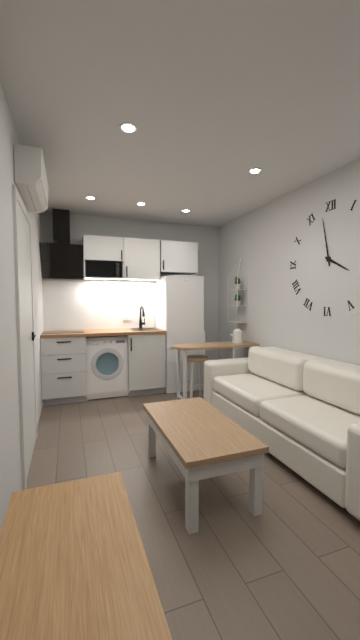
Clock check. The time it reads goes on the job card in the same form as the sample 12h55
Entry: 3h58
